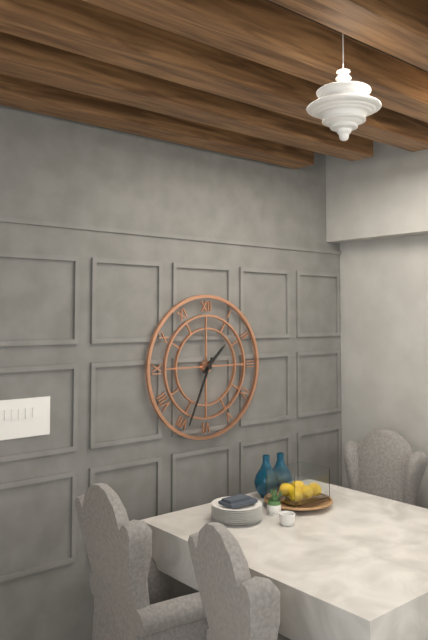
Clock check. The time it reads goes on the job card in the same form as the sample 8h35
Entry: 1h34
